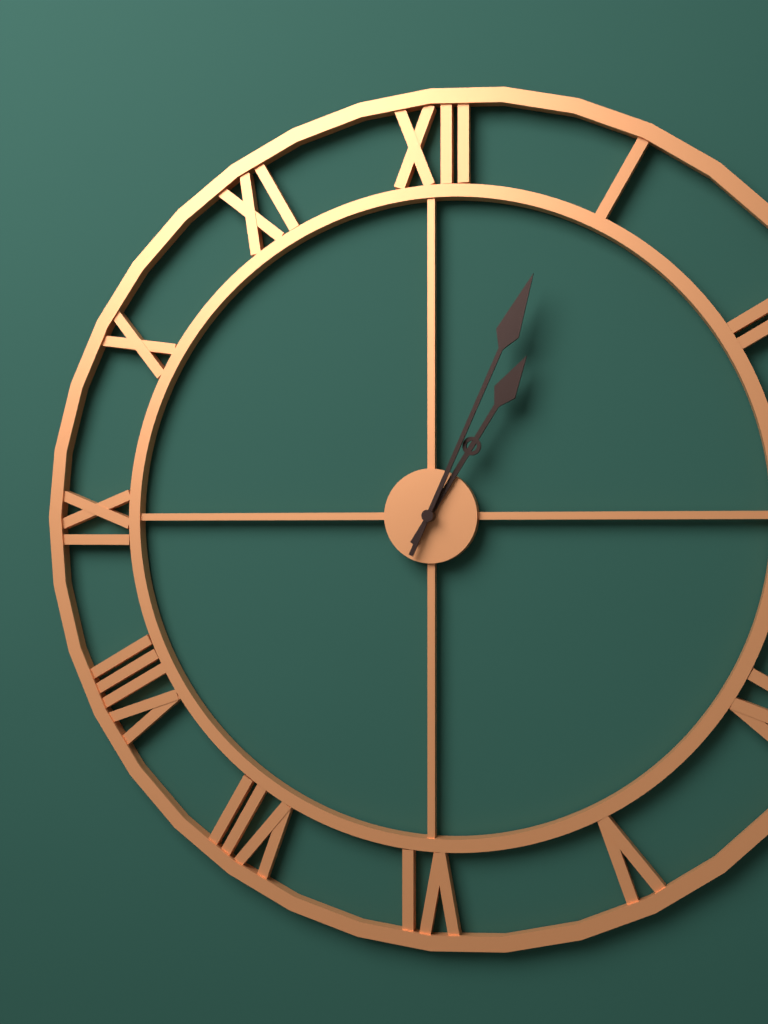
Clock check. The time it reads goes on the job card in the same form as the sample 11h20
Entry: 1h04
